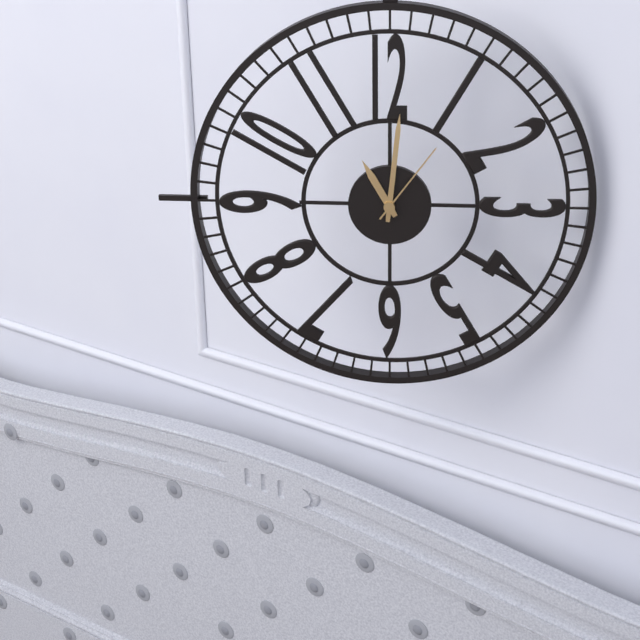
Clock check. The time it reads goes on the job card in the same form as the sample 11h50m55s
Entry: 11h01m06s
